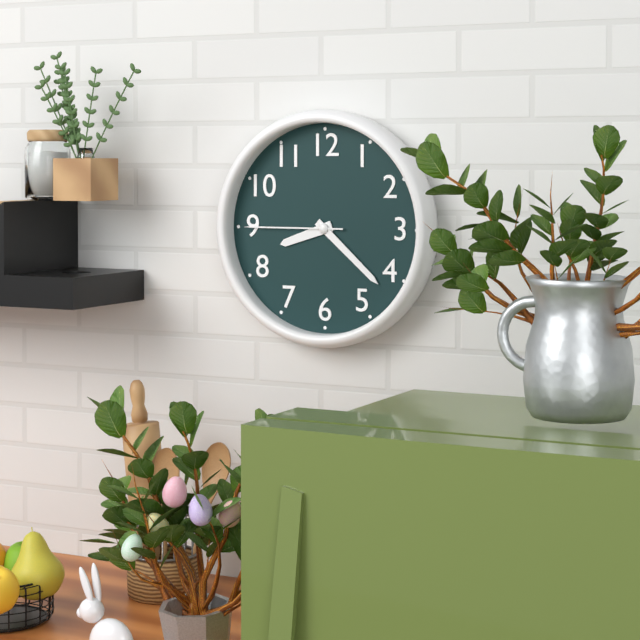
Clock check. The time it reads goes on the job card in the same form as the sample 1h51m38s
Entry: 8h22m45s
